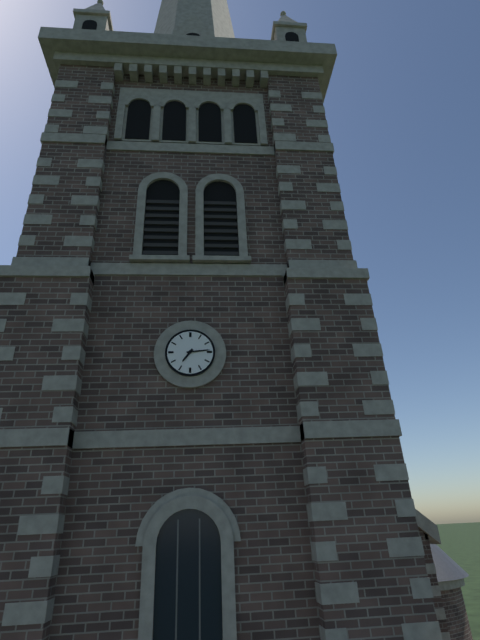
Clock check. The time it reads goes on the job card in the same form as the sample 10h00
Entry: 7h14
